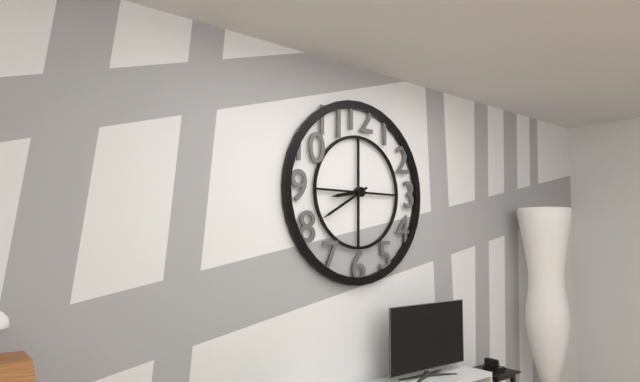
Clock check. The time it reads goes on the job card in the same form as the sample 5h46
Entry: 8h40
